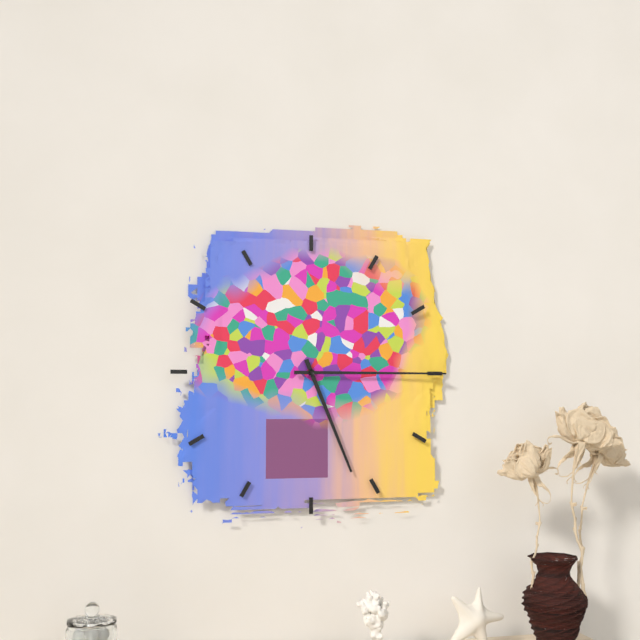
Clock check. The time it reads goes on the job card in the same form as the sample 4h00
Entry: 5h15
